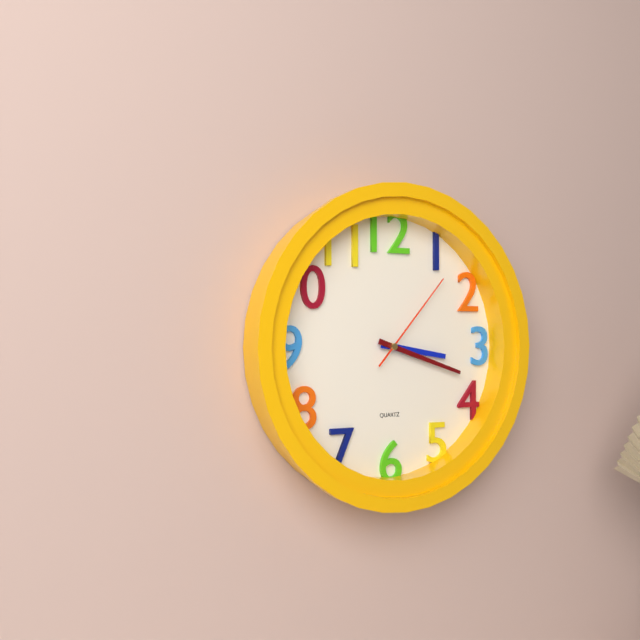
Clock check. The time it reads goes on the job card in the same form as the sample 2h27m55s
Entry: 3h18m07s
